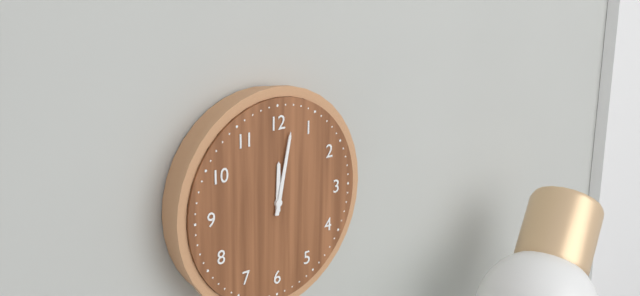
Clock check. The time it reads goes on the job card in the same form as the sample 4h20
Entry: 12h02
